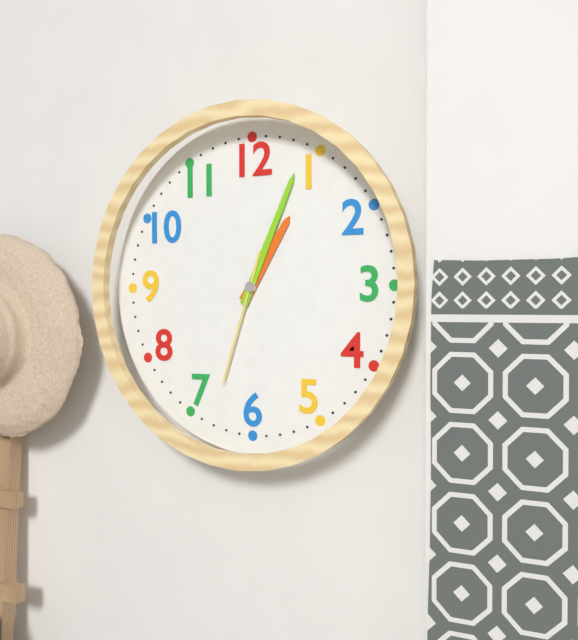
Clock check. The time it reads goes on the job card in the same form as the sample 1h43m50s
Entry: 1h04m33s
